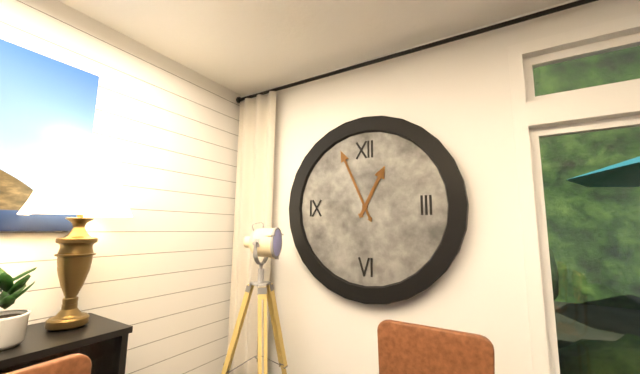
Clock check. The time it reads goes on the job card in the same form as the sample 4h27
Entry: 12h56
